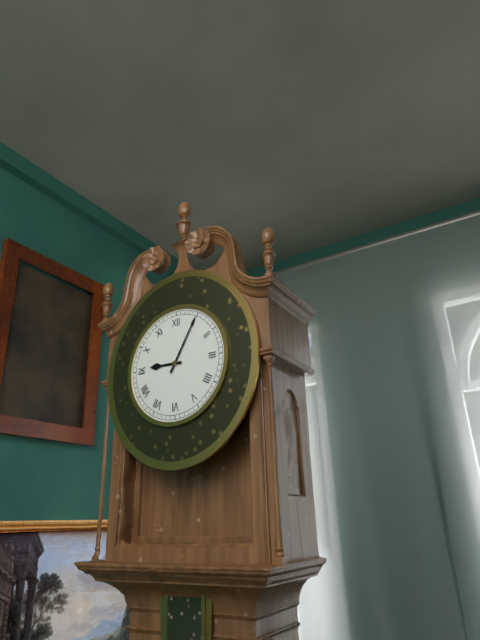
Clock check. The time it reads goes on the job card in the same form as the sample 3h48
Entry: 9h05
